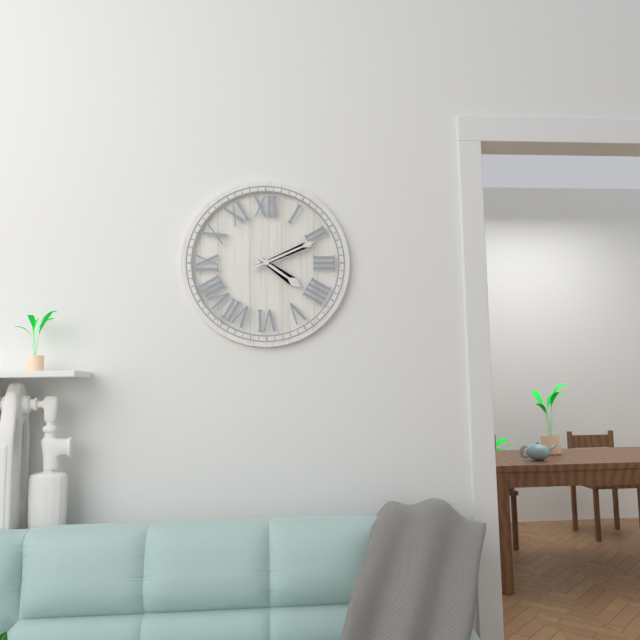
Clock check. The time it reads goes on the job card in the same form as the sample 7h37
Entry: 4h11
